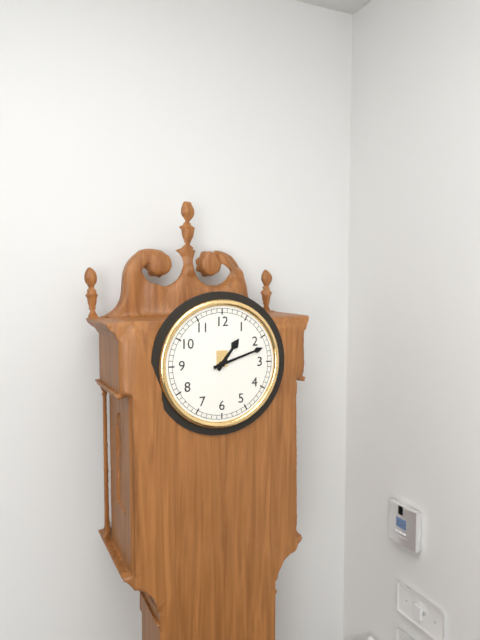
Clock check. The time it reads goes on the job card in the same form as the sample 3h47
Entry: 1h12
